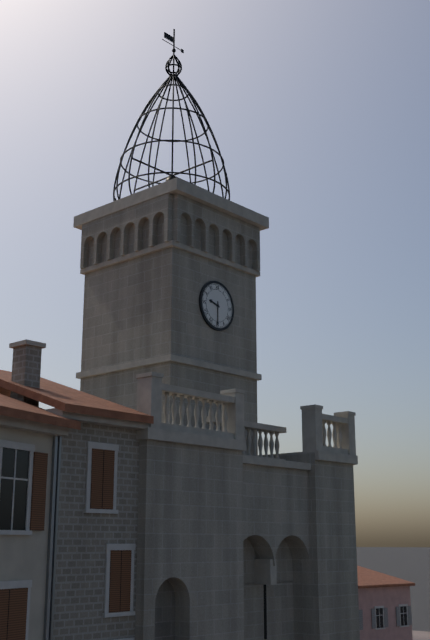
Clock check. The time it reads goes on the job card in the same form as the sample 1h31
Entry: 9h30
